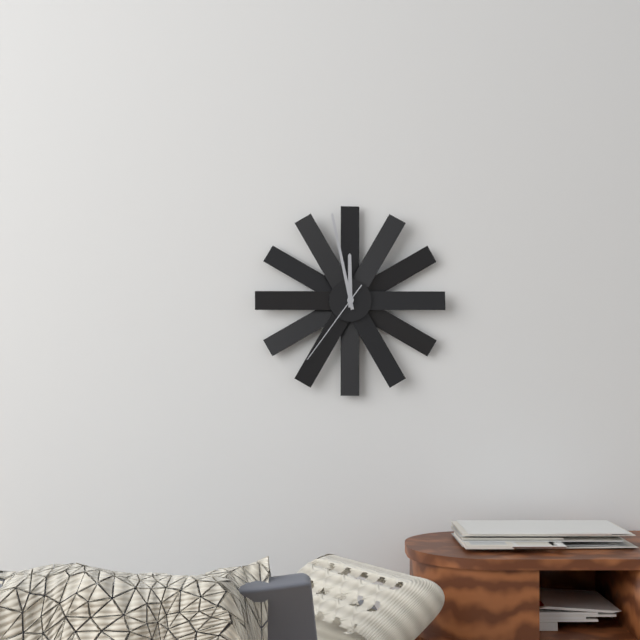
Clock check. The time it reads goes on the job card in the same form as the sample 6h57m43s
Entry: 11h58m36s
